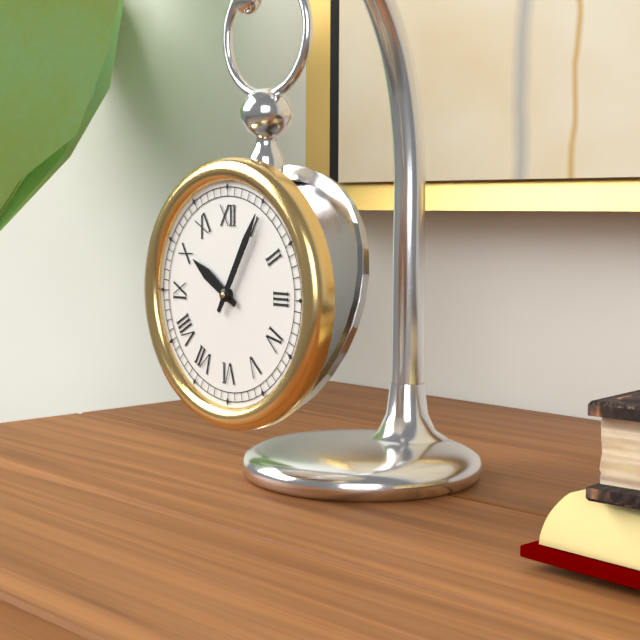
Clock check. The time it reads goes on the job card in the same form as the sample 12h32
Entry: 10h05
